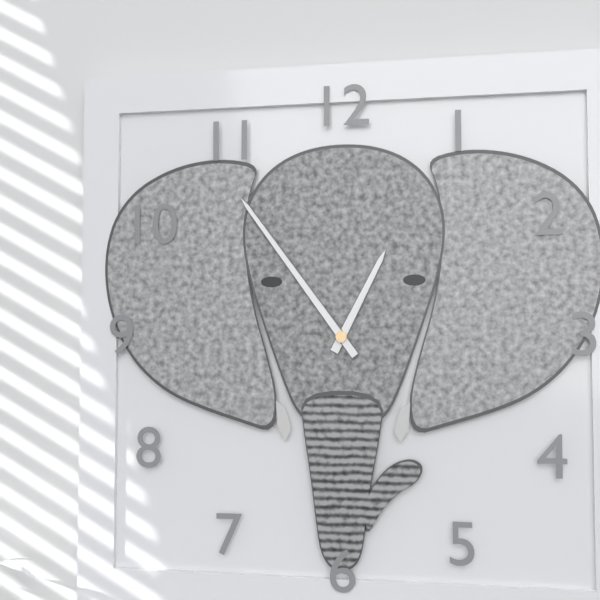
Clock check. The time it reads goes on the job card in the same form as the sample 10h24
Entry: 12h54
